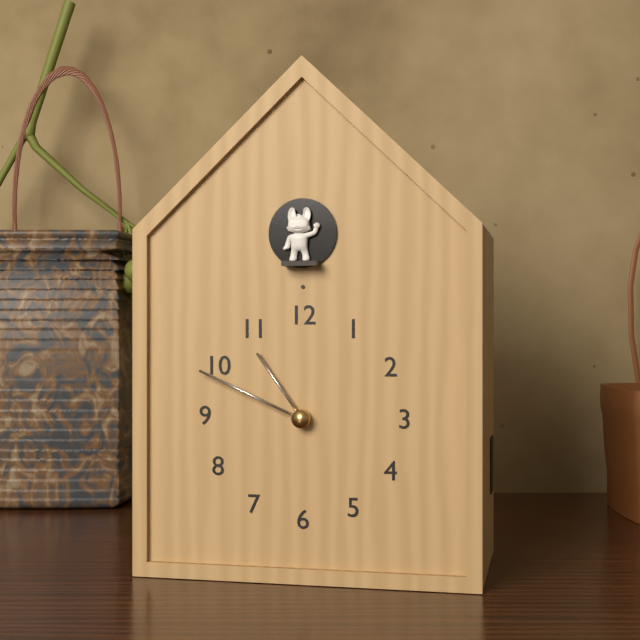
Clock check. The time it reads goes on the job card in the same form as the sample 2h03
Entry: 10h49
